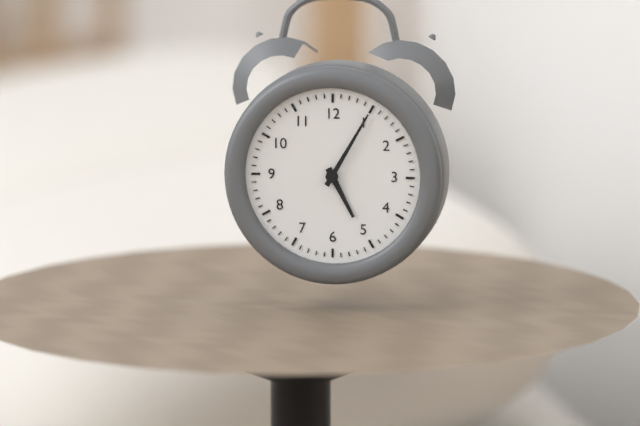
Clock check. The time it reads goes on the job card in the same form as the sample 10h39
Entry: 5h05
